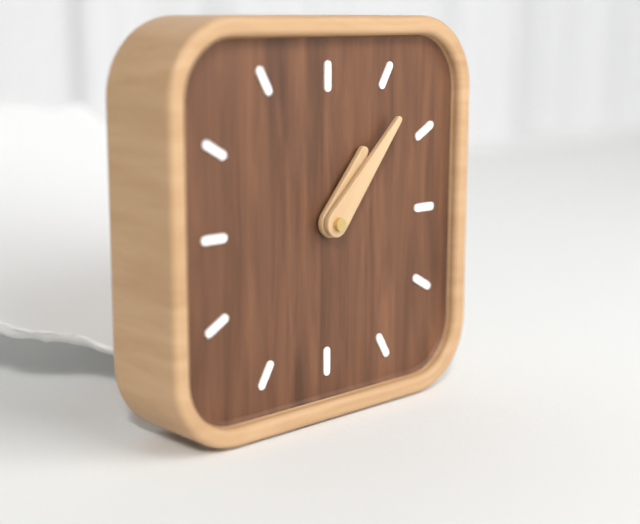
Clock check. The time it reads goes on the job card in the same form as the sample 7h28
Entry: 1h07
